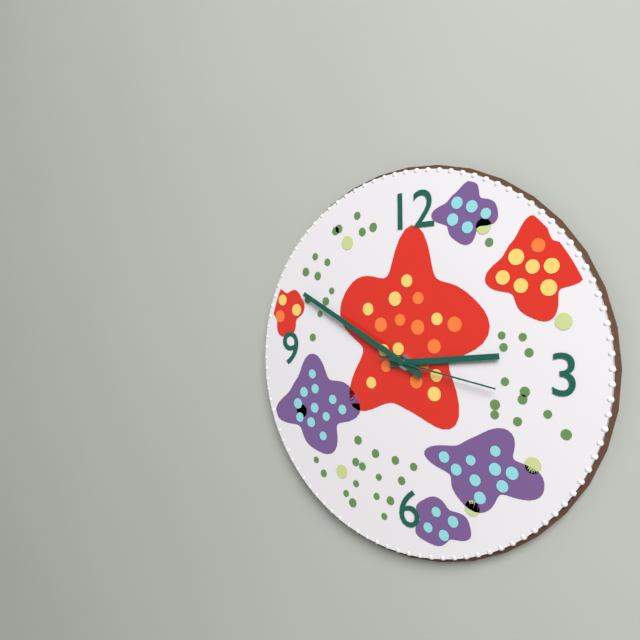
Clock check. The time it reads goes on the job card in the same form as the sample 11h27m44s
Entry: 2h50m17s
